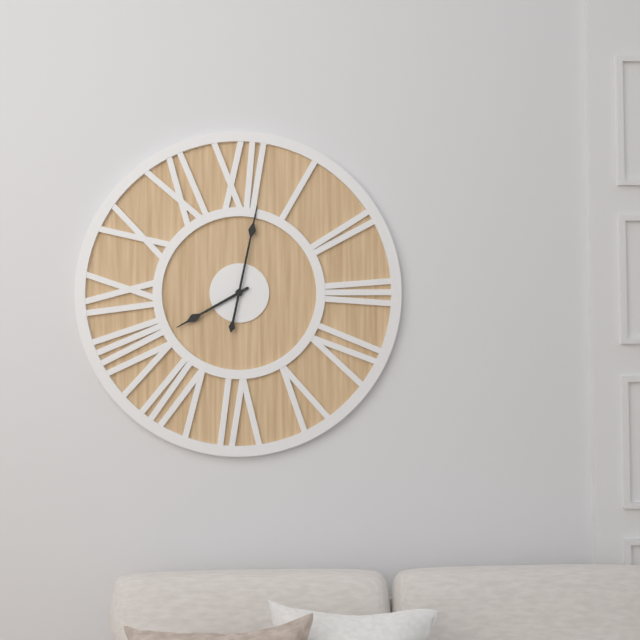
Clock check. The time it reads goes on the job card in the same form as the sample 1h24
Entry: 8h02
